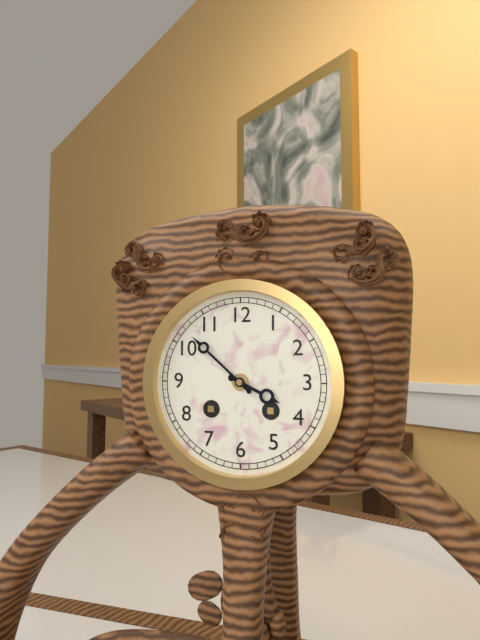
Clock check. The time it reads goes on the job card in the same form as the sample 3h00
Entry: 3h52
